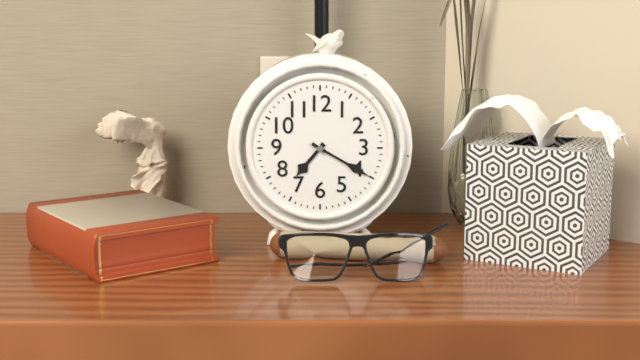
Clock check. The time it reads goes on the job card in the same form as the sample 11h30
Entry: 7h20
